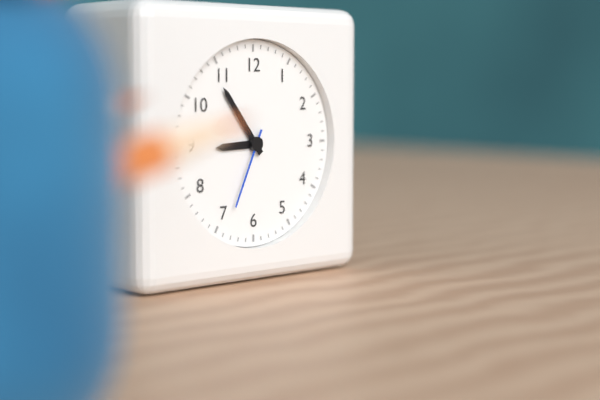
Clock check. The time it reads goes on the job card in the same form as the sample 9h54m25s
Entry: 8h54m34s
